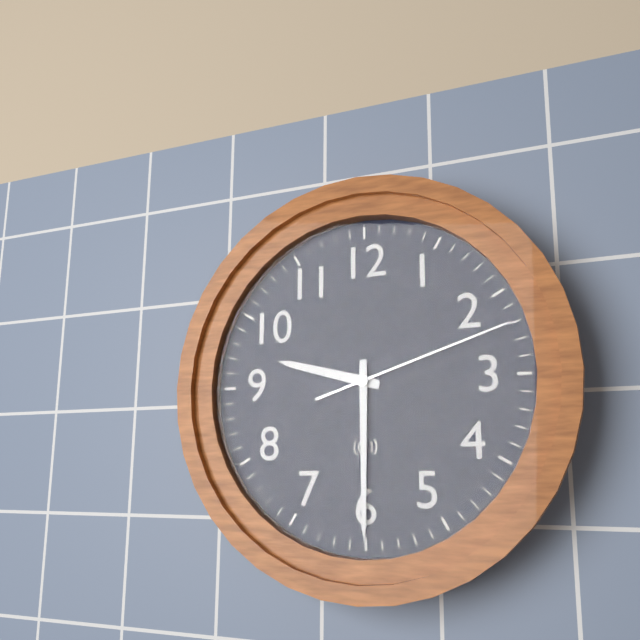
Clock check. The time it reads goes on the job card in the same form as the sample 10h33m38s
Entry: 9h30m12s
